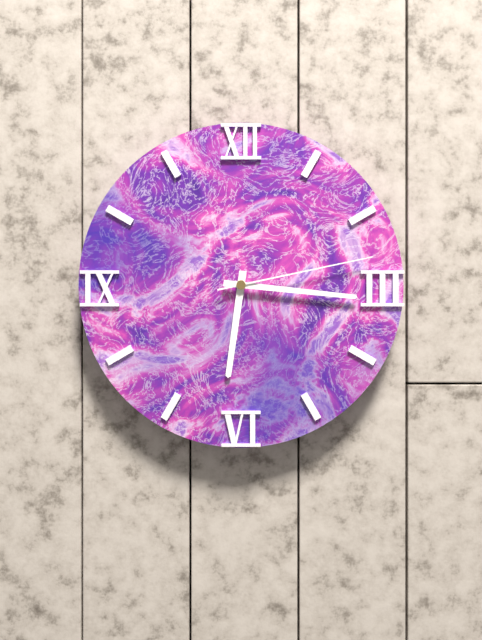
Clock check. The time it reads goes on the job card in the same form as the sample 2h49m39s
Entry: 6h16m13s
